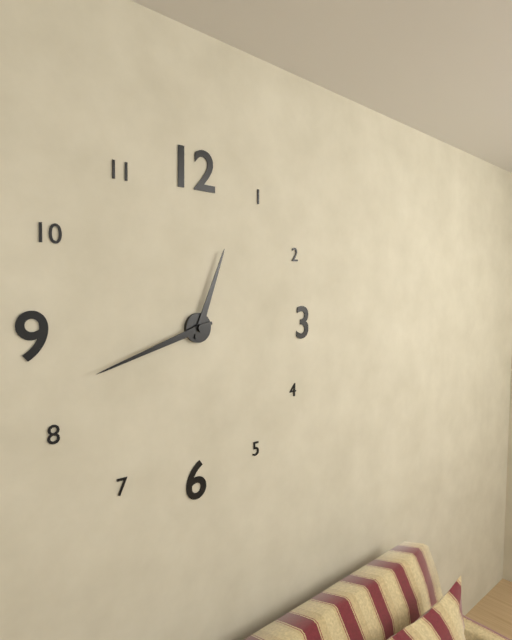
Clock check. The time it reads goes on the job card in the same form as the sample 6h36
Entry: 12h42
